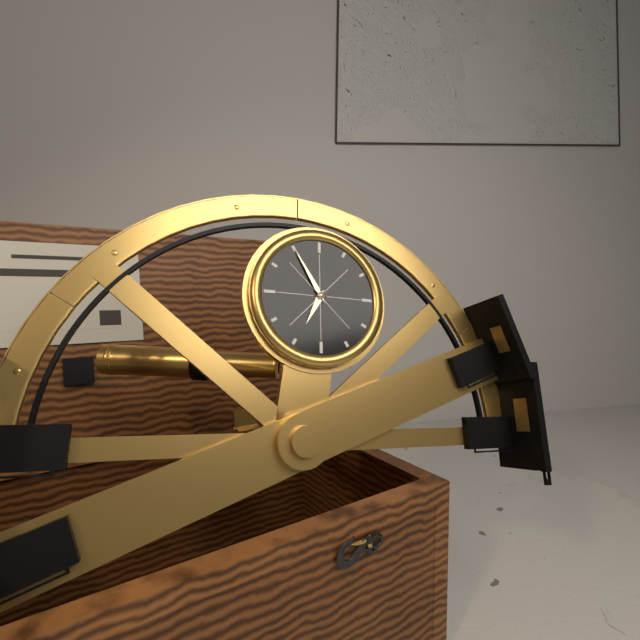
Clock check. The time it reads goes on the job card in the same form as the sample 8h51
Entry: 6h55
